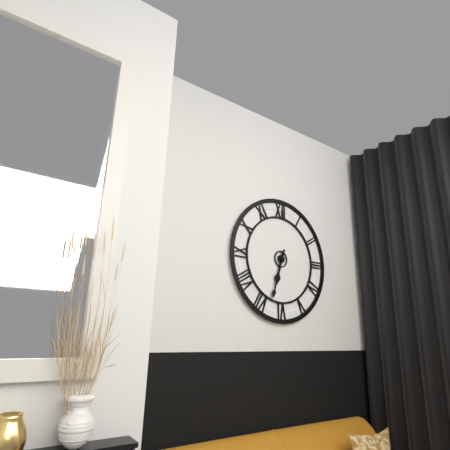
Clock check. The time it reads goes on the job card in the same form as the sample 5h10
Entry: 6h33
